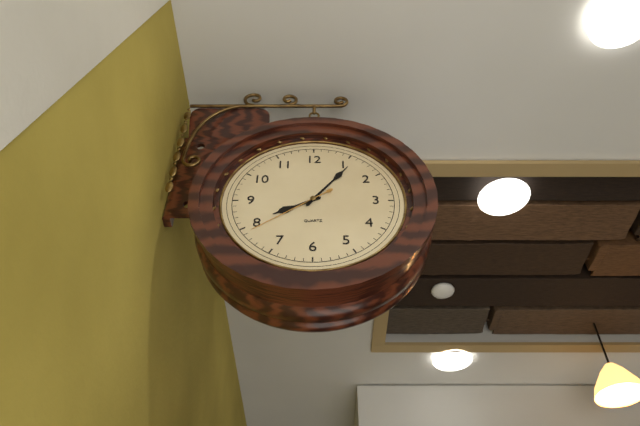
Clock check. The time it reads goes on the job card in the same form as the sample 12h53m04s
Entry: 8h06m39s
